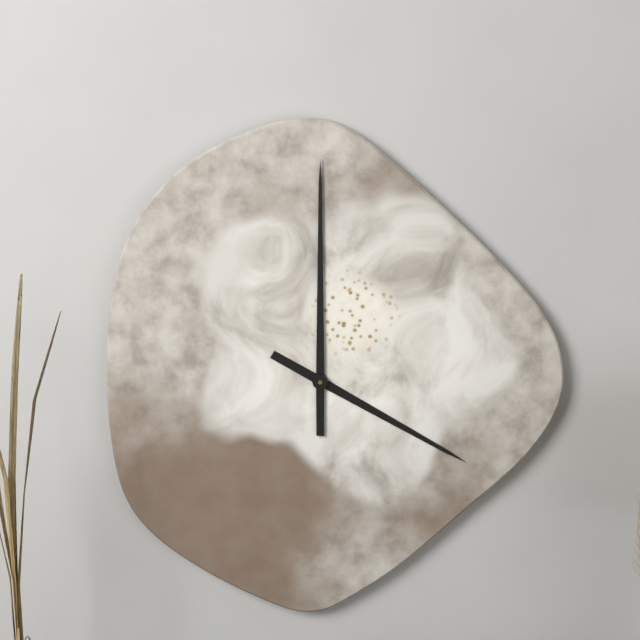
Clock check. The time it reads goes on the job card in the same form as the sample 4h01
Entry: 4h00
